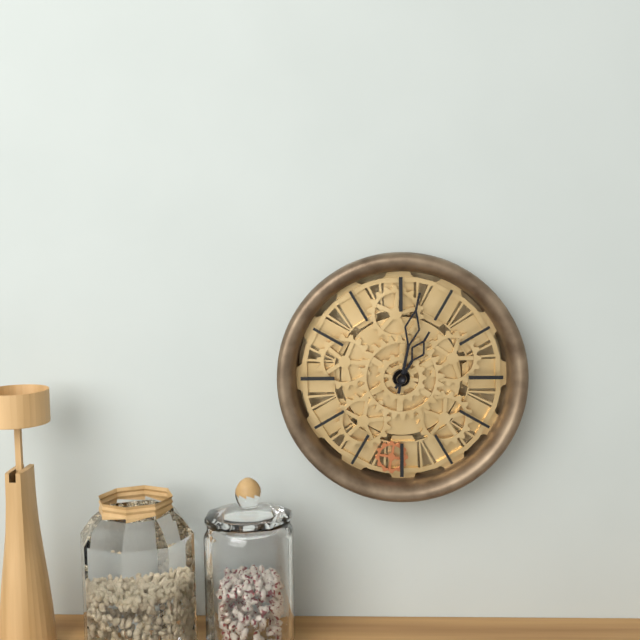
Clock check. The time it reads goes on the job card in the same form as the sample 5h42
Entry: 1h02
